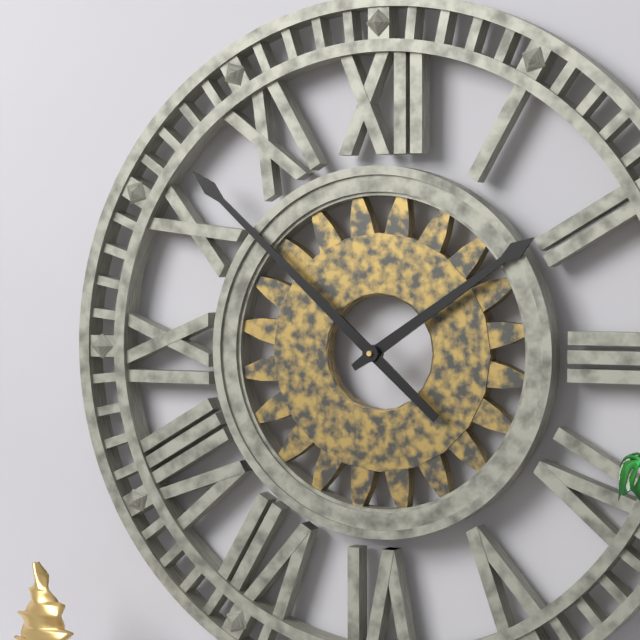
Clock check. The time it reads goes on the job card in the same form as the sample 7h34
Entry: 1h52
